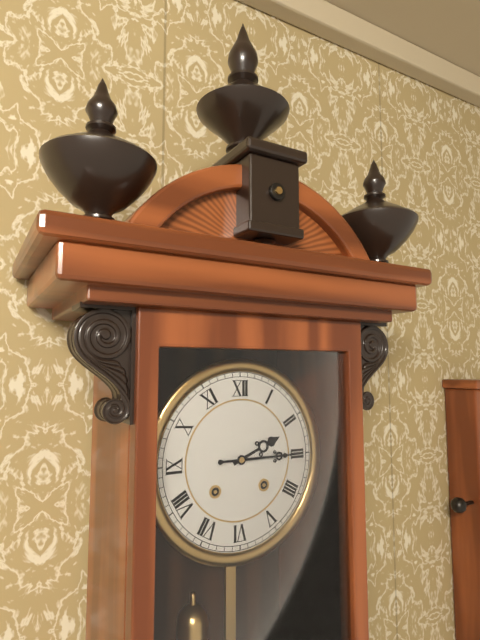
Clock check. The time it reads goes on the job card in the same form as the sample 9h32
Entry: 2h15
